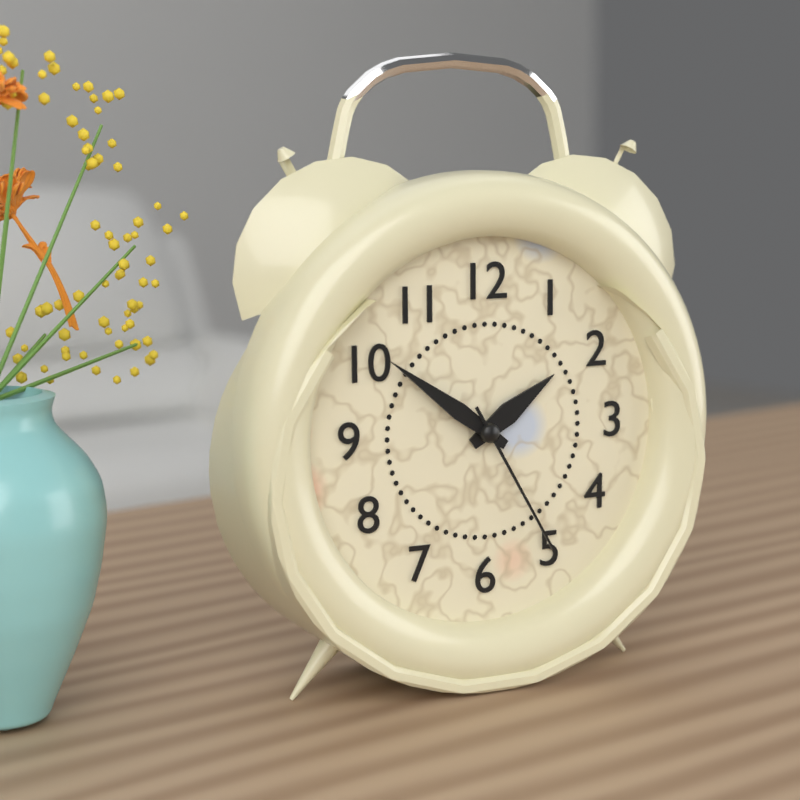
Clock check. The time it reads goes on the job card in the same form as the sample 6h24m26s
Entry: 1h51m25s
